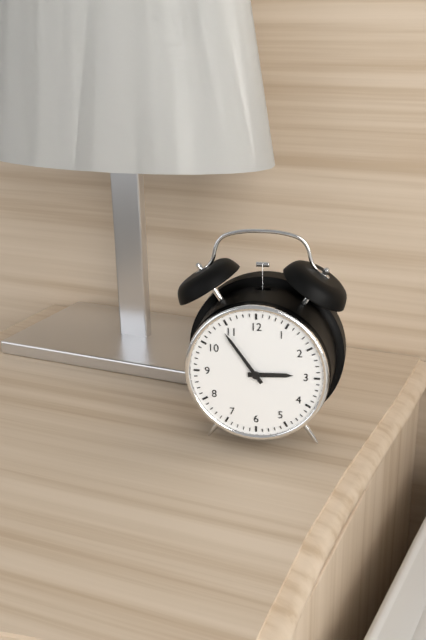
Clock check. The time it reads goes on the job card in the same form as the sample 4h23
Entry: 2h54
